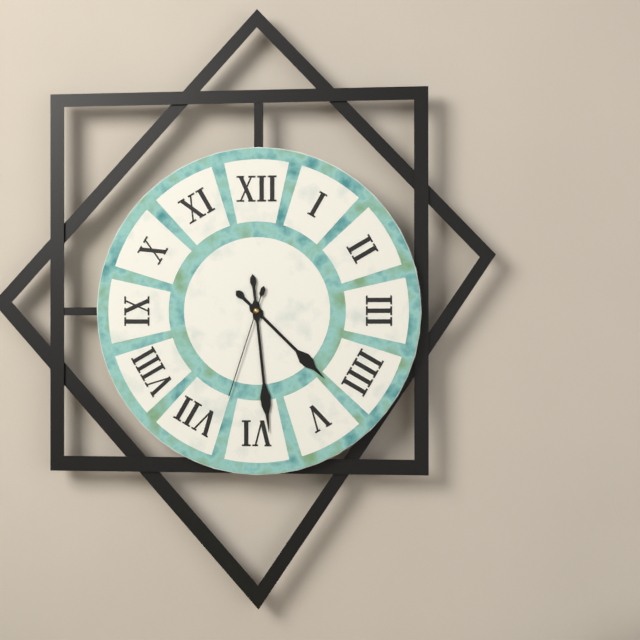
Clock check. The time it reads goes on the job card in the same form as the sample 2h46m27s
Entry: 4h29m33s
